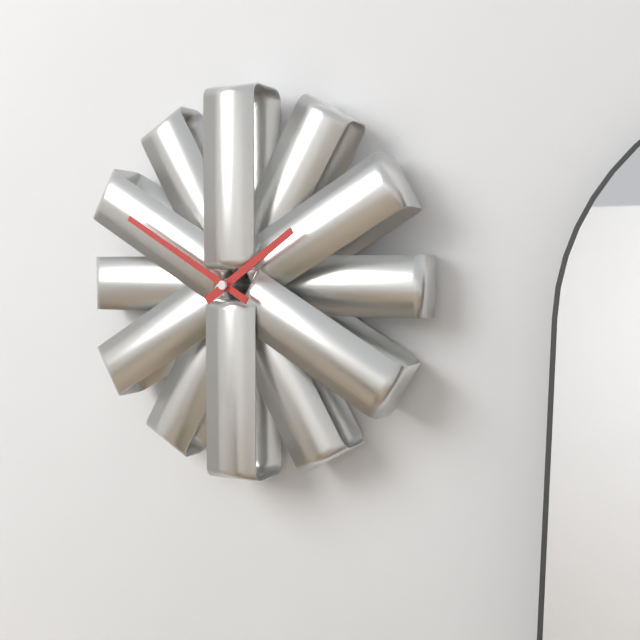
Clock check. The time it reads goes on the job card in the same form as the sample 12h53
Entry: 1h50
